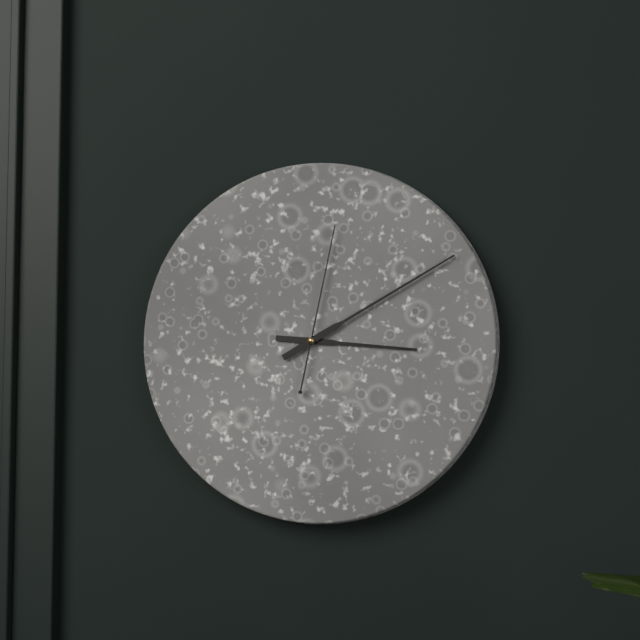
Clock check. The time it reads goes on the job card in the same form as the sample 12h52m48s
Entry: 3h10m02s
